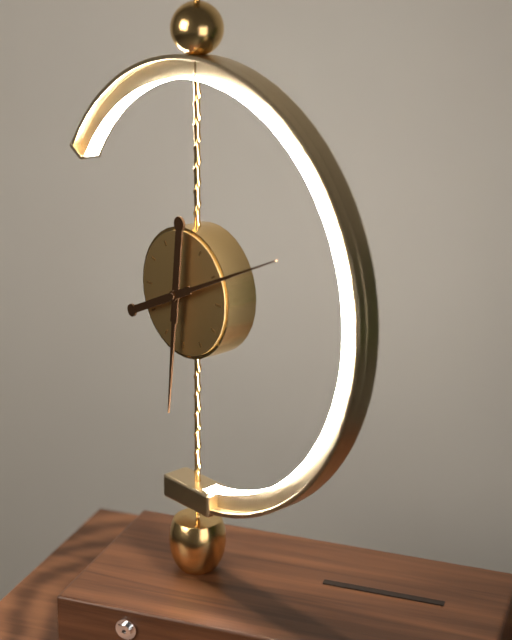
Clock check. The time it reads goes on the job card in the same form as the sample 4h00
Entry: 6h11
